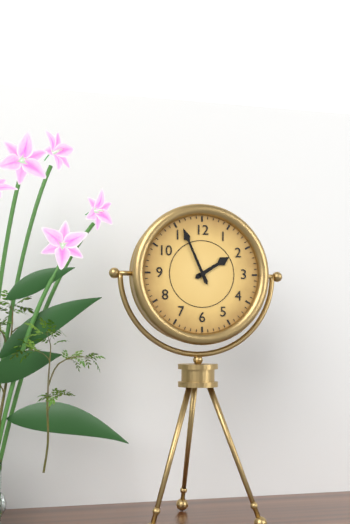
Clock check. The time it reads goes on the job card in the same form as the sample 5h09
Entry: 1h56
